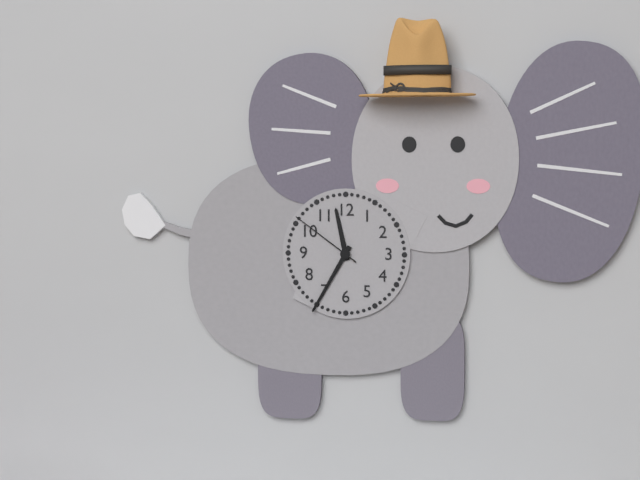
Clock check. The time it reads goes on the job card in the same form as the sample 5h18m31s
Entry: 11h35m51s
